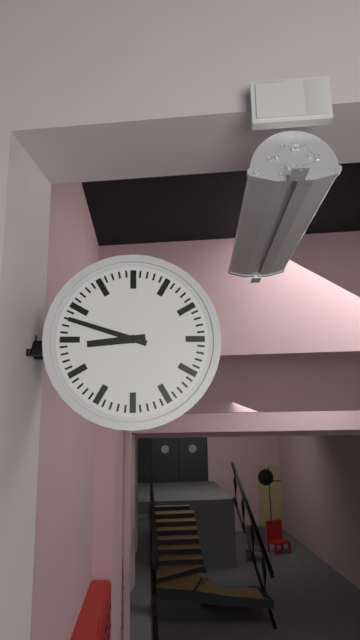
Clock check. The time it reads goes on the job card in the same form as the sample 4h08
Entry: 8h48
